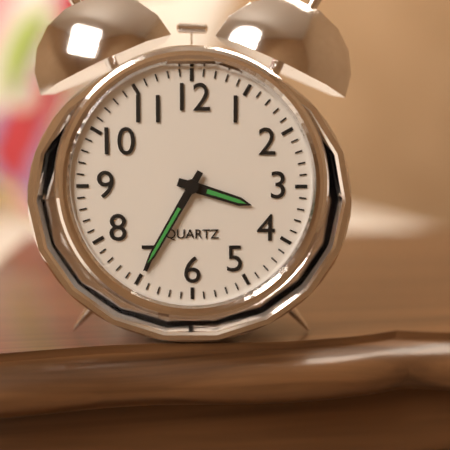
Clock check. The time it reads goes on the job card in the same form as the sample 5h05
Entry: 3h35
